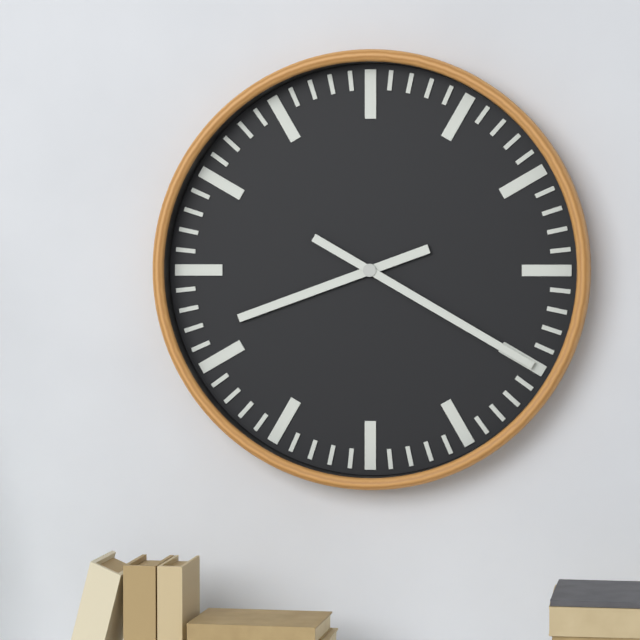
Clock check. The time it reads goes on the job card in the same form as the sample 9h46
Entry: 8h20
